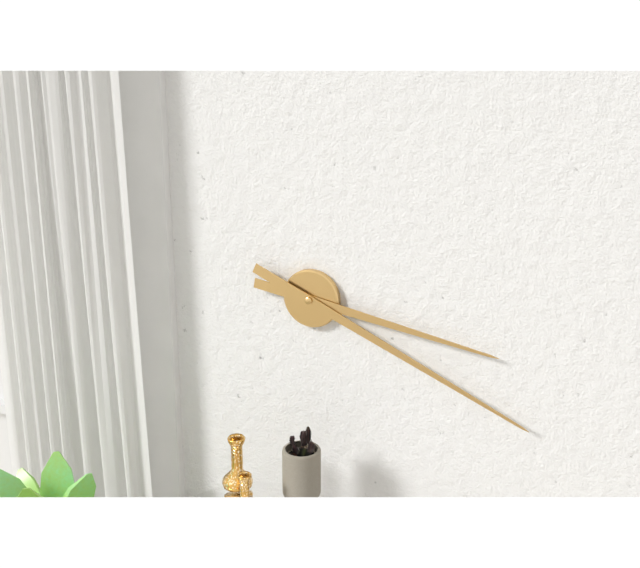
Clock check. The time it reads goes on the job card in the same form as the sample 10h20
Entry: 3h19
